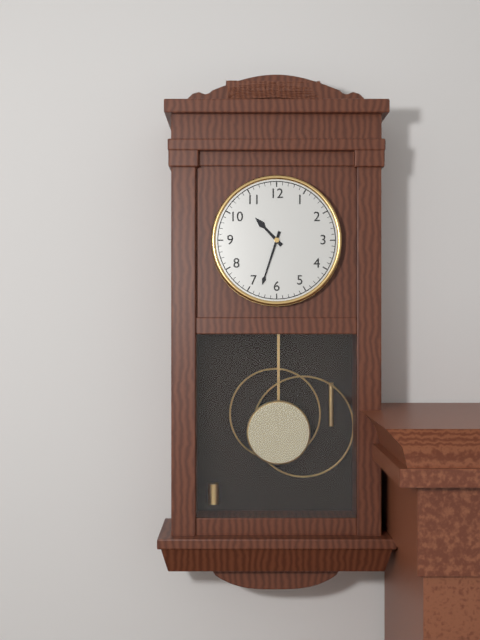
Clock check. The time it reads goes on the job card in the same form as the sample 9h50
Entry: 10h33
